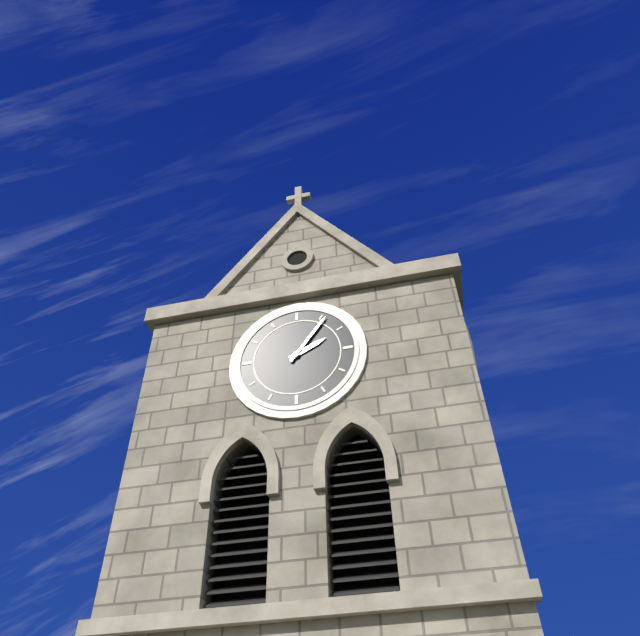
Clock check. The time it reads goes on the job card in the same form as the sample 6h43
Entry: 2h06
